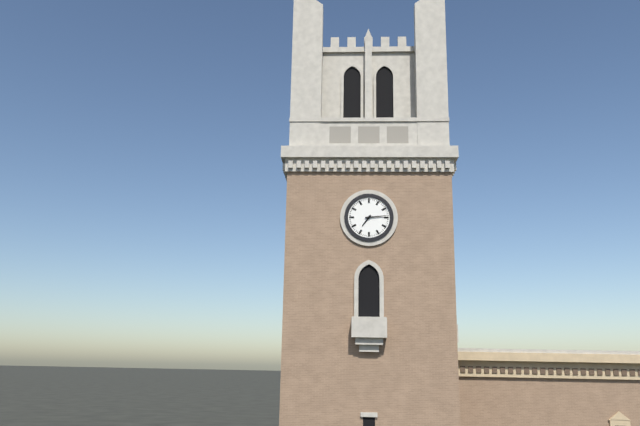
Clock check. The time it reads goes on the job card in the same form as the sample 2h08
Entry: 7h14
